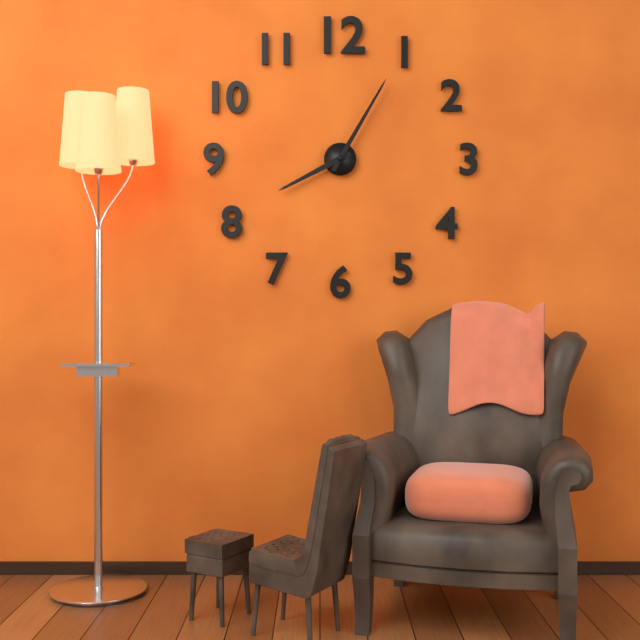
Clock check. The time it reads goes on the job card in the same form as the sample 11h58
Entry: 8h05
